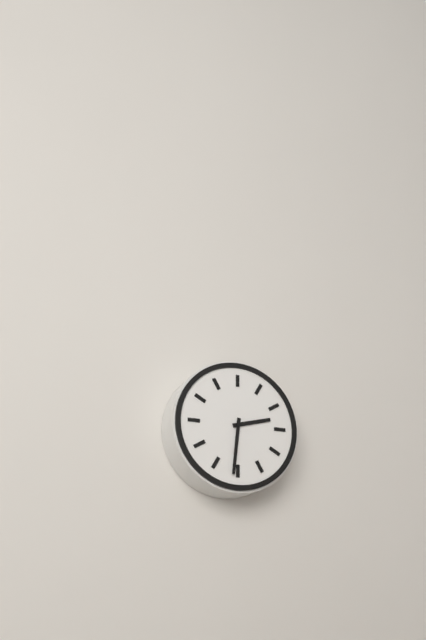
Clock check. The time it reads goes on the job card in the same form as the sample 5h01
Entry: 2h31
